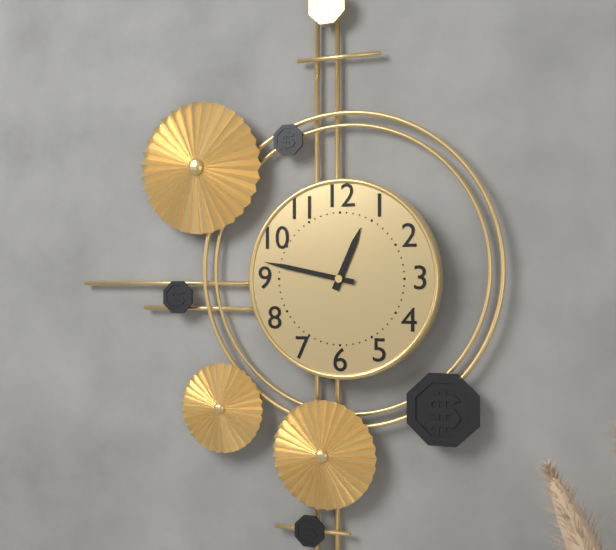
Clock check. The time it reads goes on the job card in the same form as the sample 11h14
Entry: 12h47
